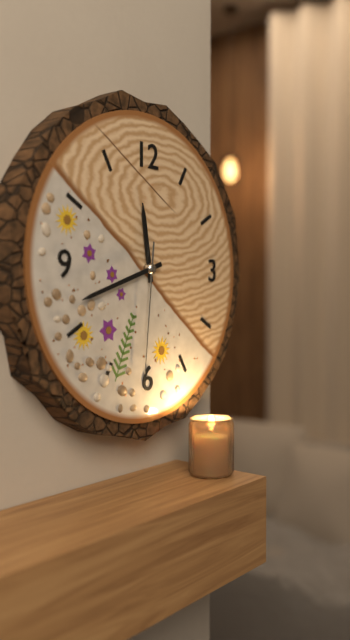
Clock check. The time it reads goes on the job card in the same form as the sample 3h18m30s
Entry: 11h42m31s
